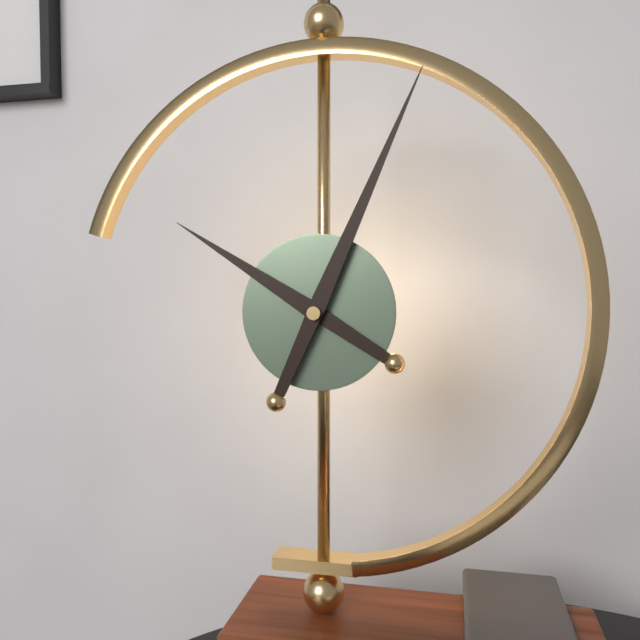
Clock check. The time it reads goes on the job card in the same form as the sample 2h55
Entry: 10h04
